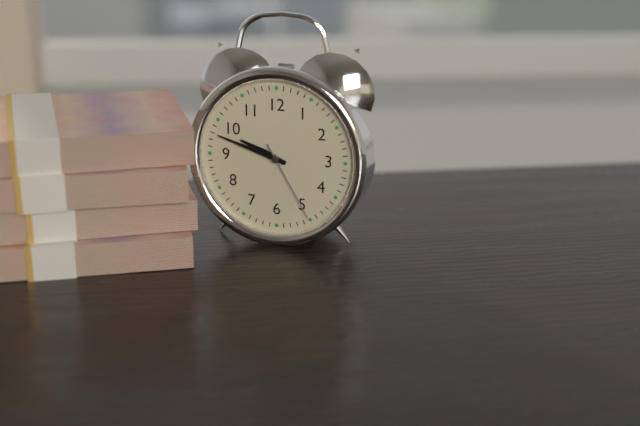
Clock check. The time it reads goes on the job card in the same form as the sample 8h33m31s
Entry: 9h48m25s
